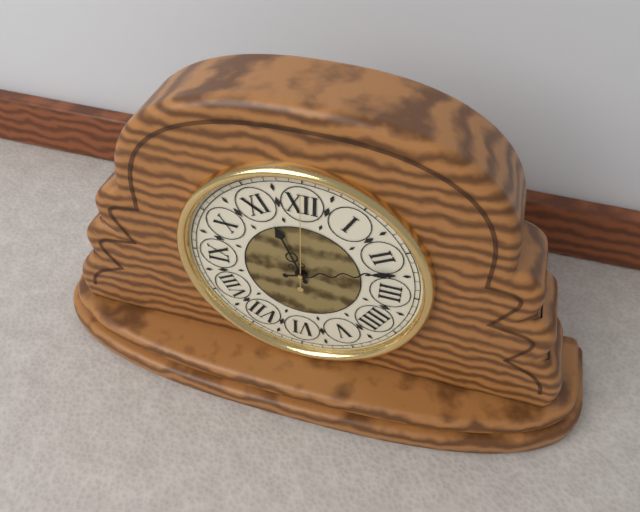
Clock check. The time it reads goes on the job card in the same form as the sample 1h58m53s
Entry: 11h12m00s
